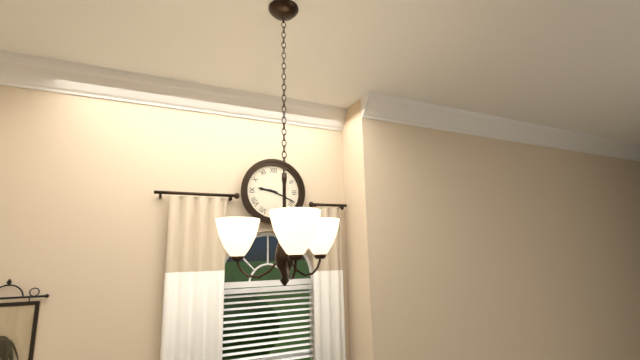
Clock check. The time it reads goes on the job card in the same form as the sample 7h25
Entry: 9h19
